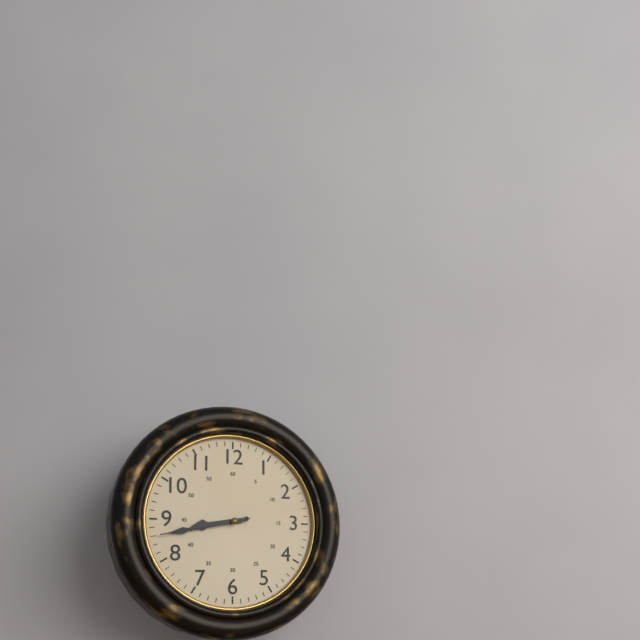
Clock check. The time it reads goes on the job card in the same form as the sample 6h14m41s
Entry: 8h43m43s
